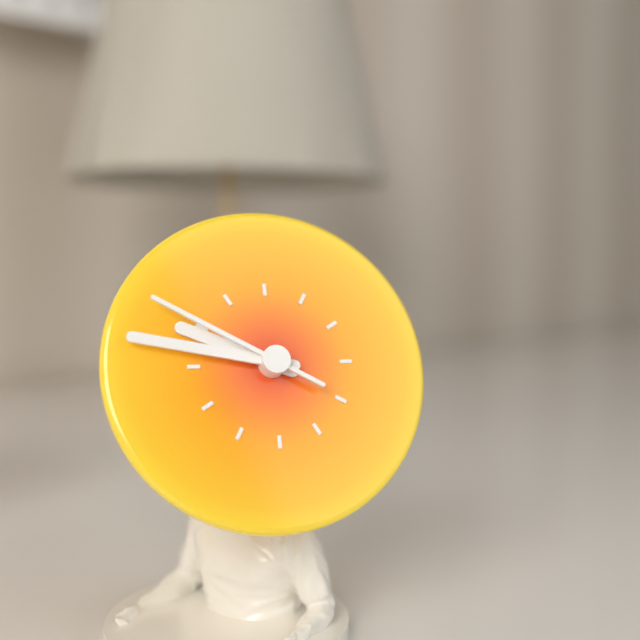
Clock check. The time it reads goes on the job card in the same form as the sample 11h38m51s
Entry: 9h47m50s
